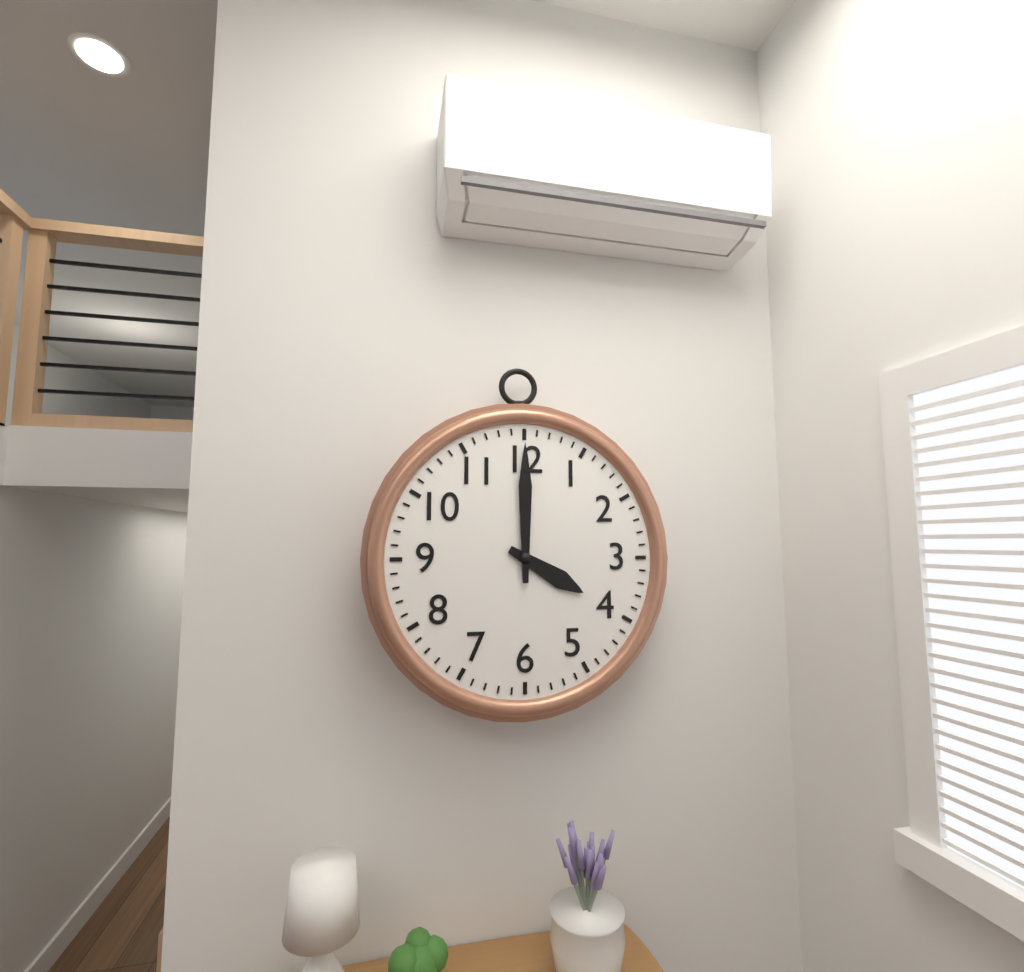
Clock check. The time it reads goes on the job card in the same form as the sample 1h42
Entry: 4h00
